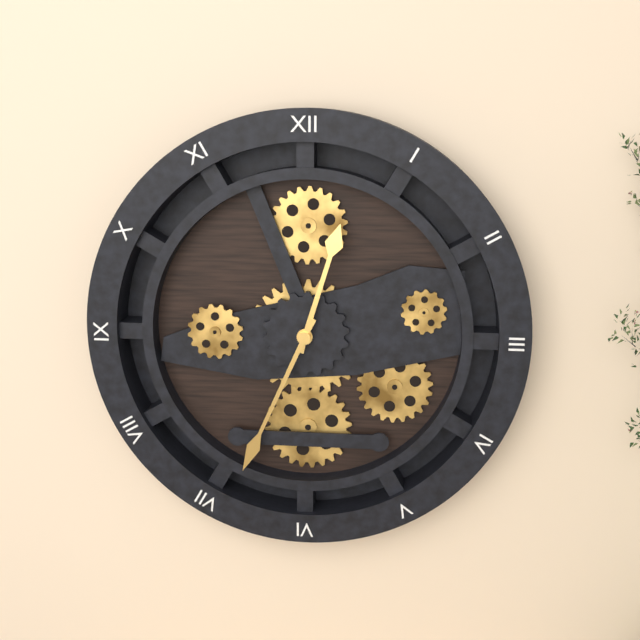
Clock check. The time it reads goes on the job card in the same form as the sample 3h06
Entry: 12h34
